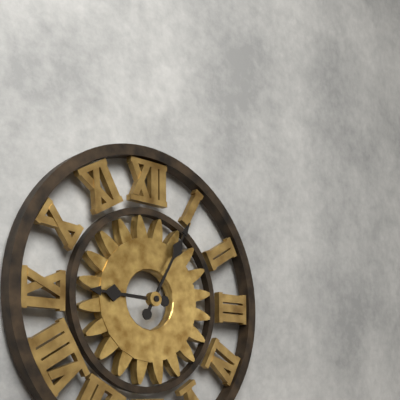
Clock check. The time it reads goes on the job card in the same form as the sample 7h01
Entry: 9h05
